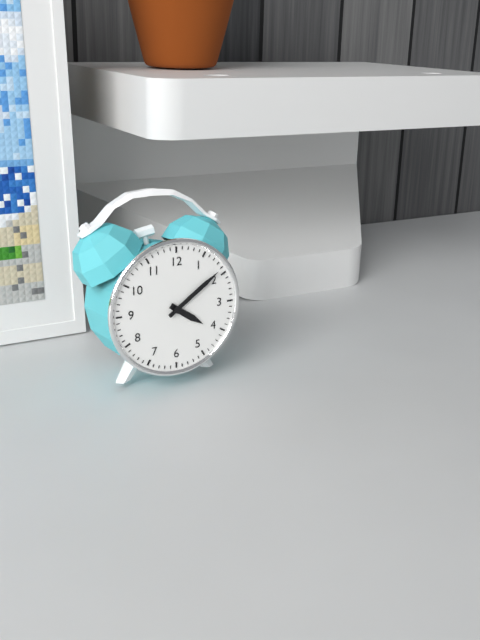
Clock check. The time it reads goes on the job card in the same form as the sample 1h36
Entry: 4h09
